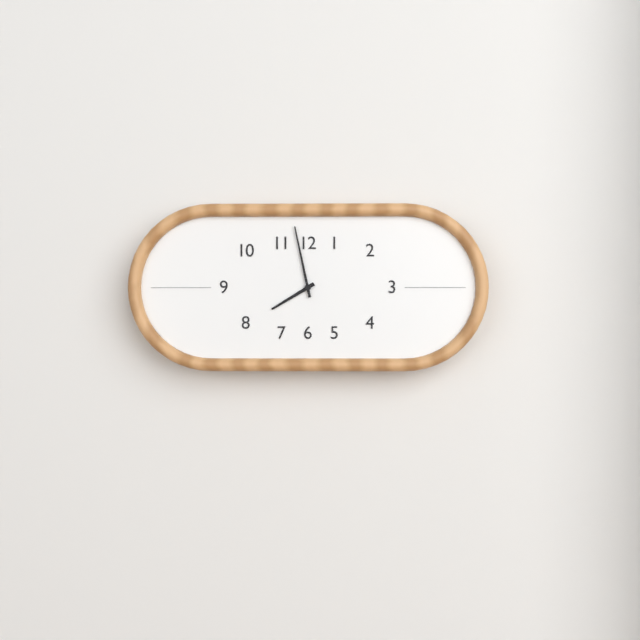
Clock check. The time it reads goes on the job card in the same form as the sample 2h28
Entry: 7h58
